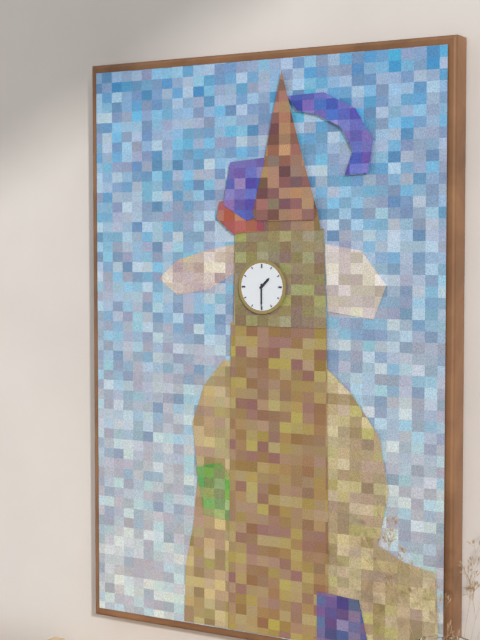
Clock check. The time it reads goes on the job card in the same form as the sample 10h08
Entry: 1h30
